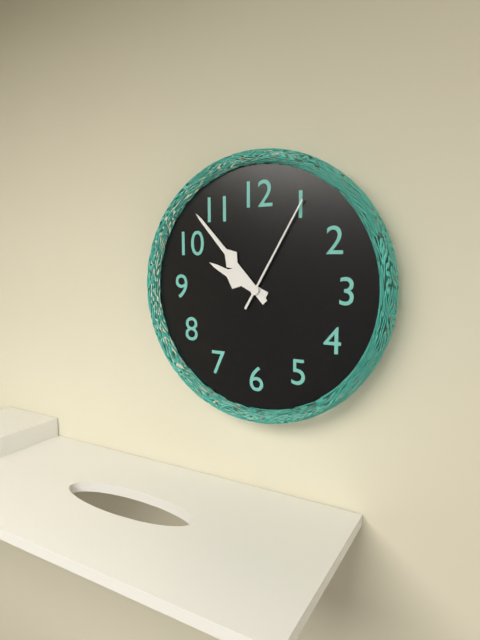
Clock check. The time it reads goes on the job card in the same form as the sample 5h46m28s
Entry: 9h53m05s
